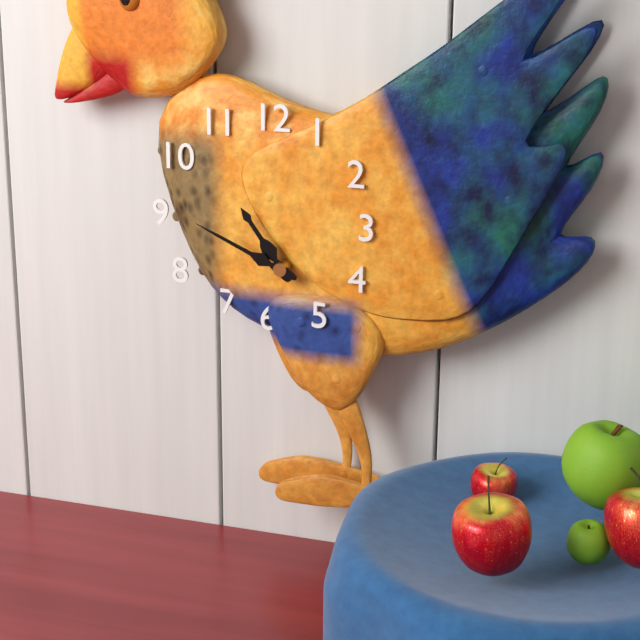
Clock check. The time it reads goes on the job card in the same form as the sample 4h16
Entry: 10h49
